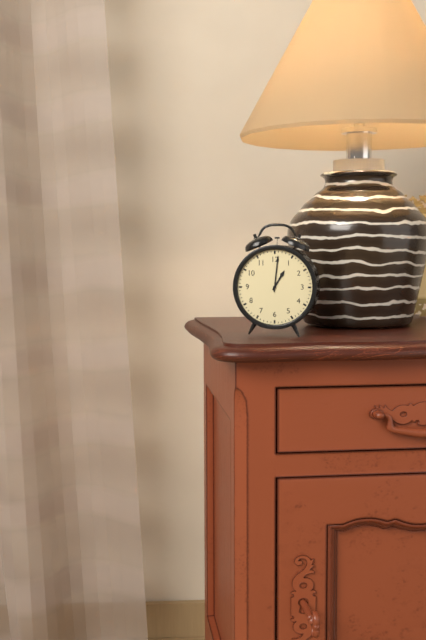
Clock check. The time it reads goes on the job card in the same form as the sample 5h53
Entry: 1h01
